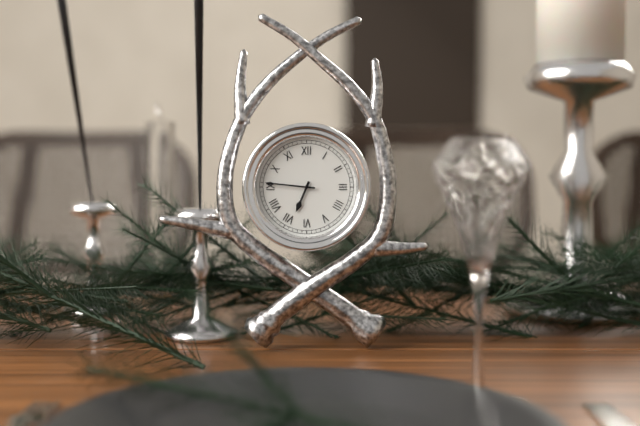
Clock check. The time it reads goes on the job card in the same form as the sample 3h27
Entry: 6h46
